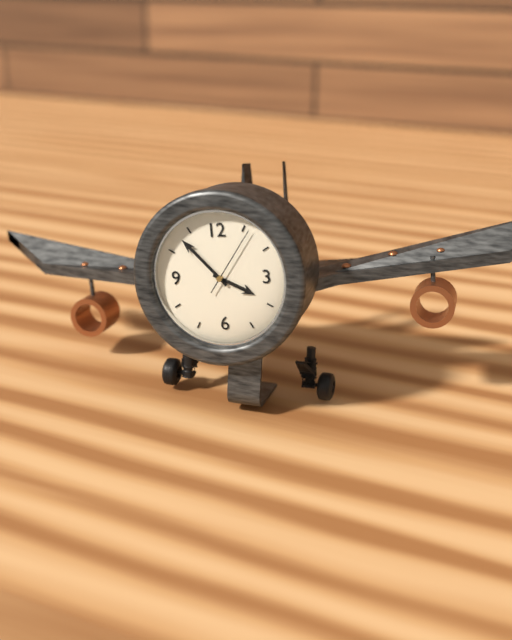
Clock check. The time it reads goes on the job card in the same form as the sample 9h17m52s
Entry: 3h53m06s
